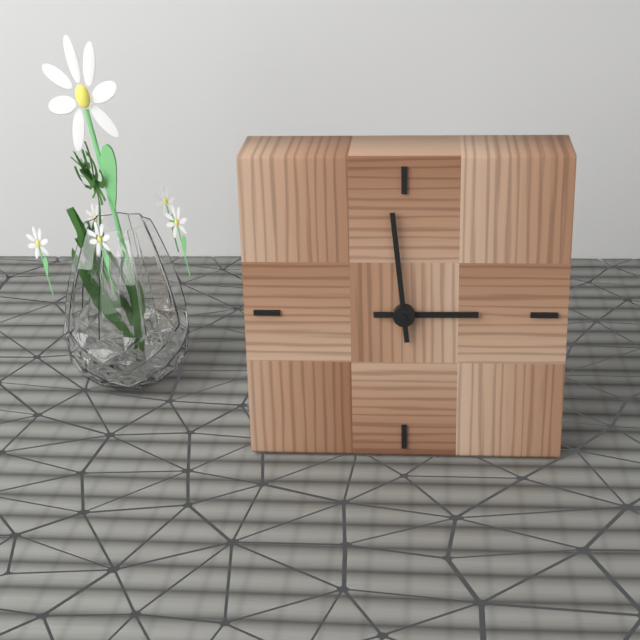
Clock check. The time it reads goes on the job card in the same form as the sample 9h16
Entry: 2h59
